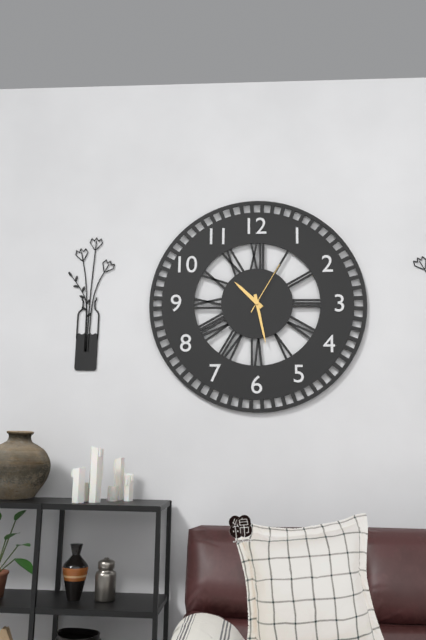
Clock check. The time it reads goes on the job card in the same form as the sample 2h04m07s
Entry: 10h28m05s
